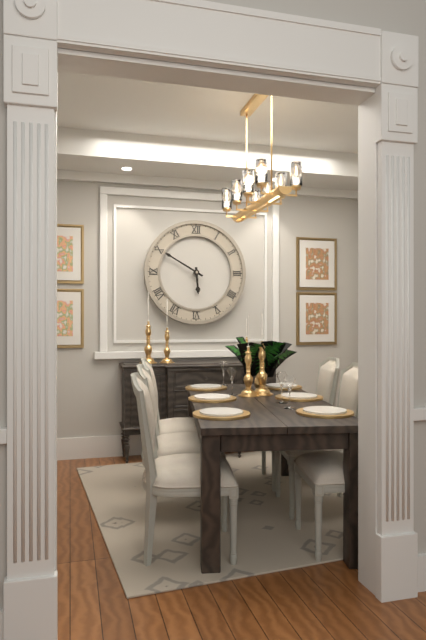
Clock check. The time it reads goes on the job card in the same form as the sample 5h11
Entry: 5h50
